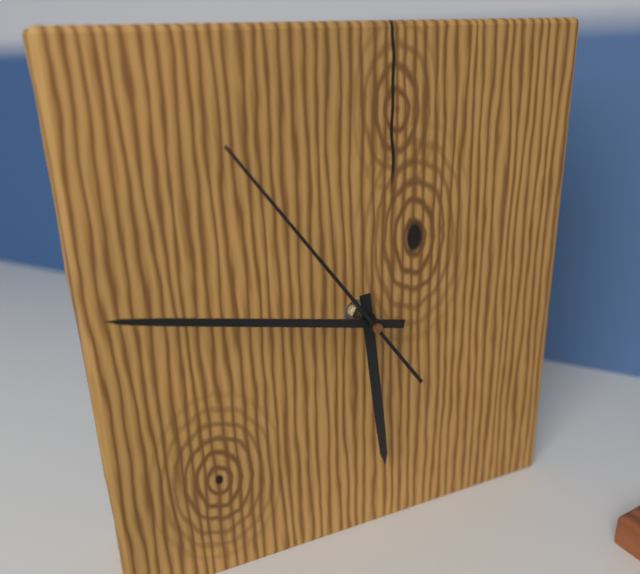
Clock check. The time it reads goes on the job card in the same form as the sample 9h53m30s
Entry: 5h47m54s
